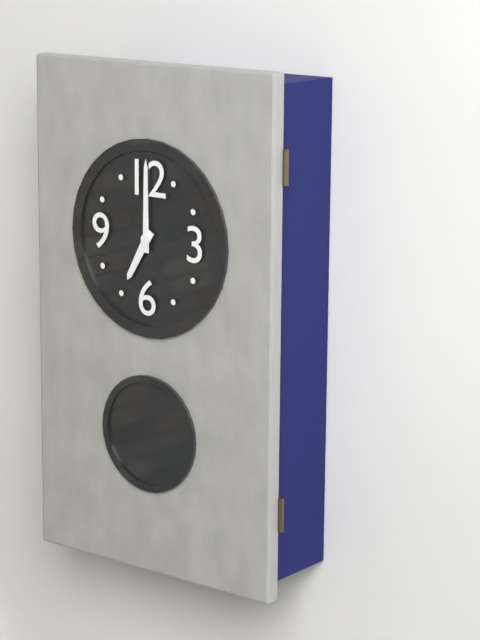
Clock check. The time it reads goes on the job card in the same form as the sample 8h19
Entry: 7h00
